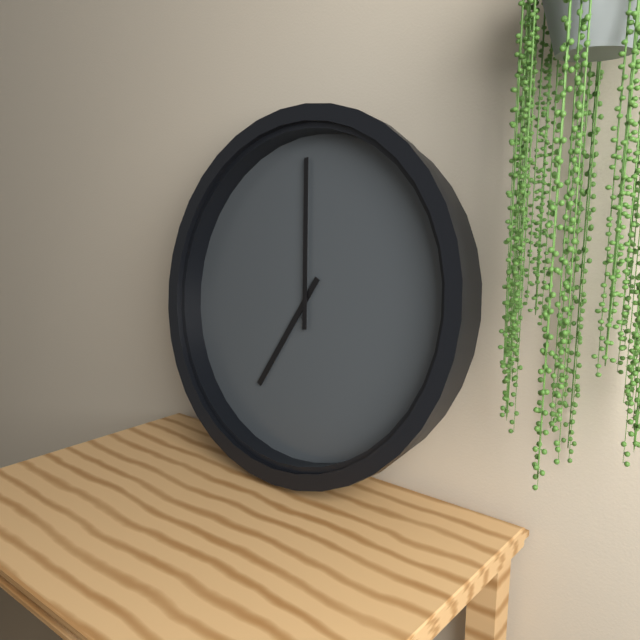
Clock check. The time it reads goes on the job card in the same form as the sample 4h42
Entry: 6h59
